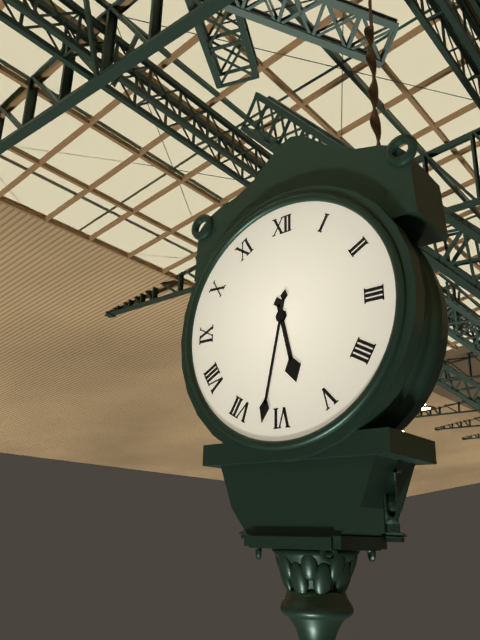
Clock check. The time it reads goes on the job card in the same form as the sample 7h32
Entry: 5h32
